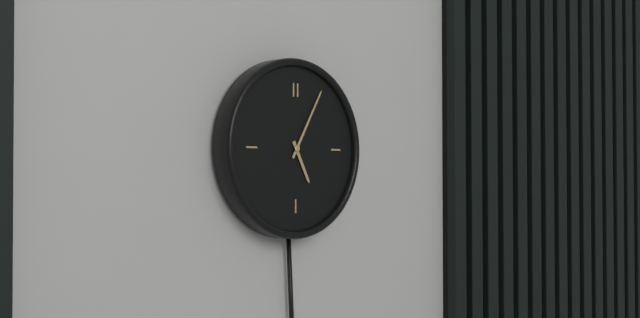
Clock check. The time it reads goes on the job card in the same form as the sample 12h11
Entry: 5h05
